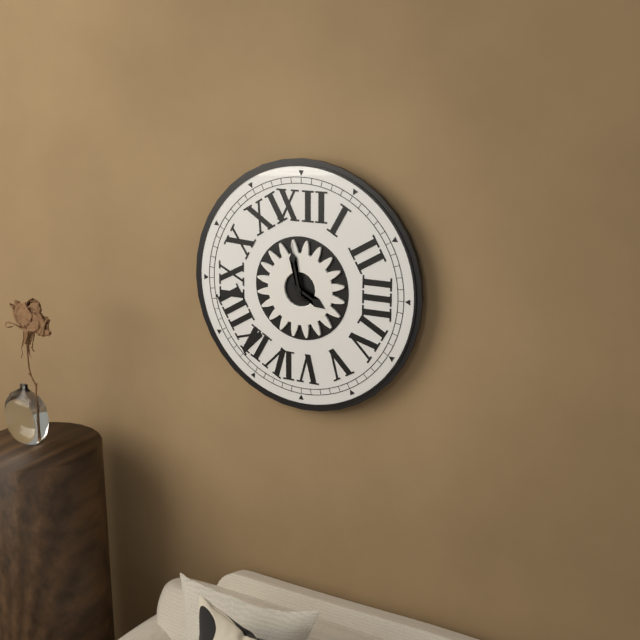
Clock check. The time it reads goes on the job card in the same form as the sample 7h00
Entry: 3h58
